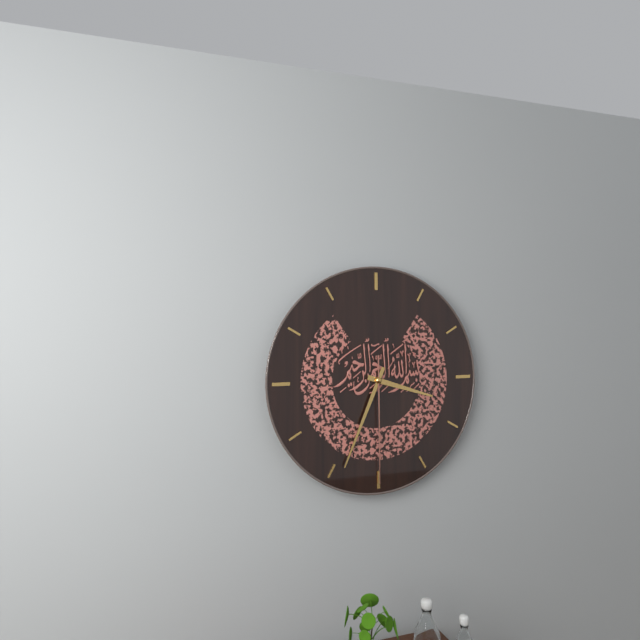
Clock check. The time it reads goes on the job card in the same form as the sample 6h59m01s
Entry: 3h34m30s
